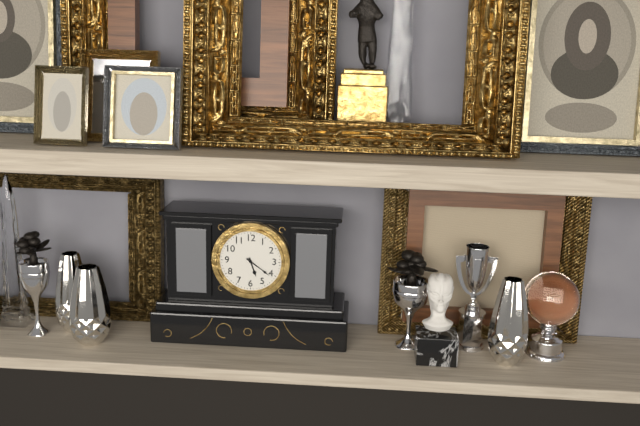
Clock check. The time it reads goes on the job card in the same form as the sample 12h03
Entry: 5h21
